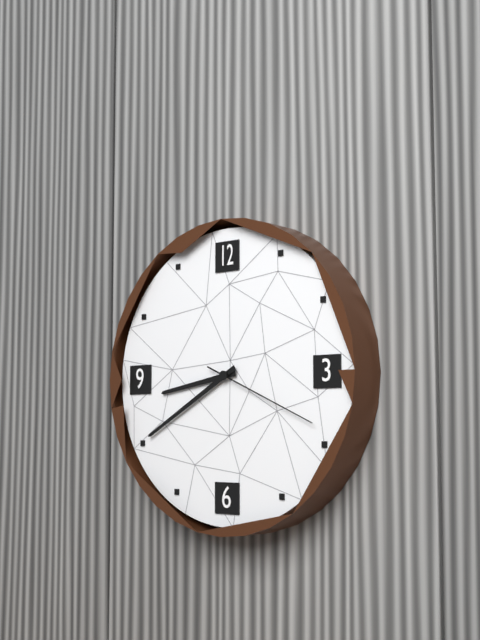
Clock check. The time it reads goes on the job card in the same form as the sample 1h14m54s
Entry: 8h40m19s
